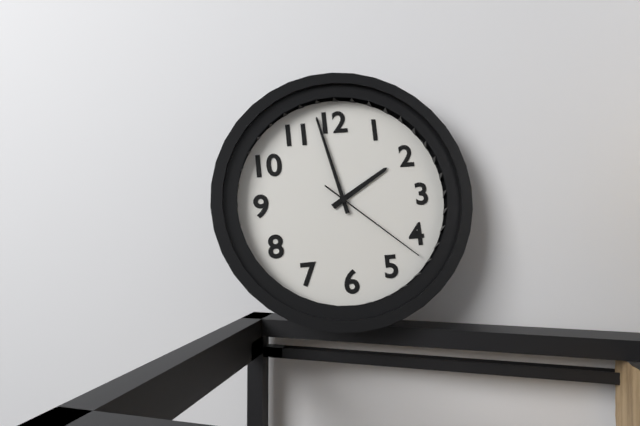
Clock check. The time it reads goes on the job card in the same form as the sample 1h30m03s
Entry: 1h58m22s
